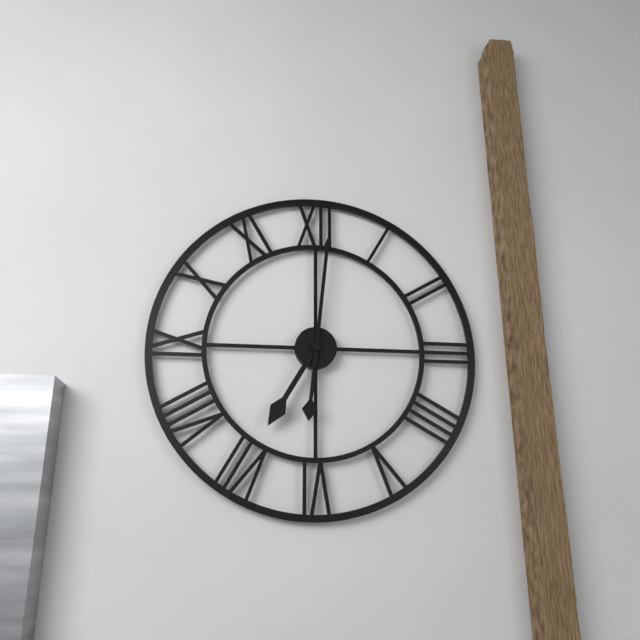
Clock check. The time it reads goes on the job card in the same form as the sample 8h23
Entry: 7h01
